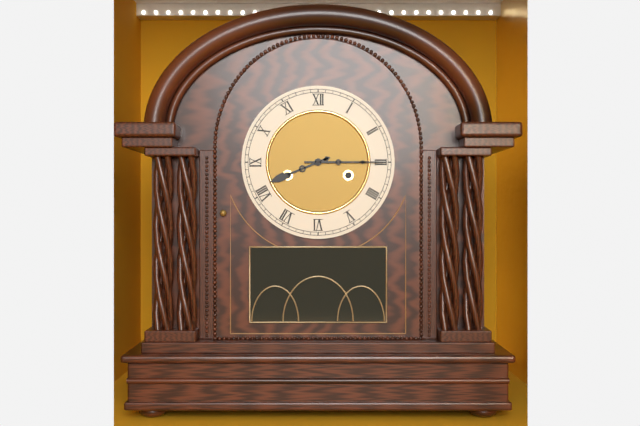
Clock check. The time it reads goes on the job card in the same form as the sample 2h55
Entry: 8h15
